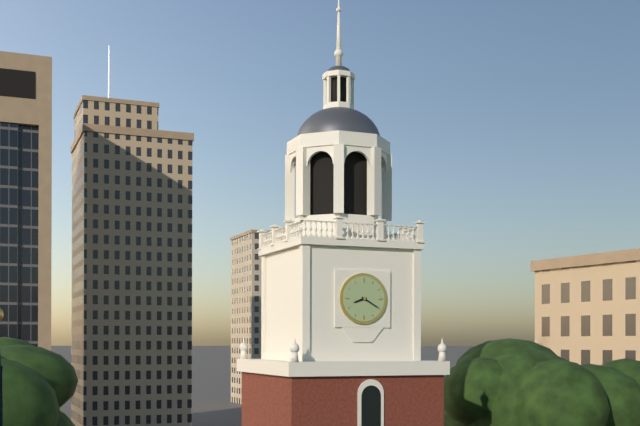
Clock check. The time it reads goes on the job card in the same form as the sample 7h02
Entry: 8h20
